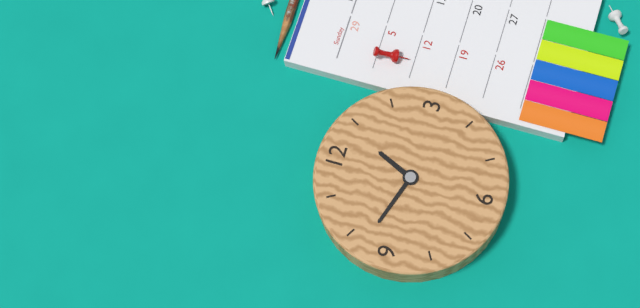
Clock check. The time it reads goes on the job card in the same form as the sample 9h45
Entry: 12h48
